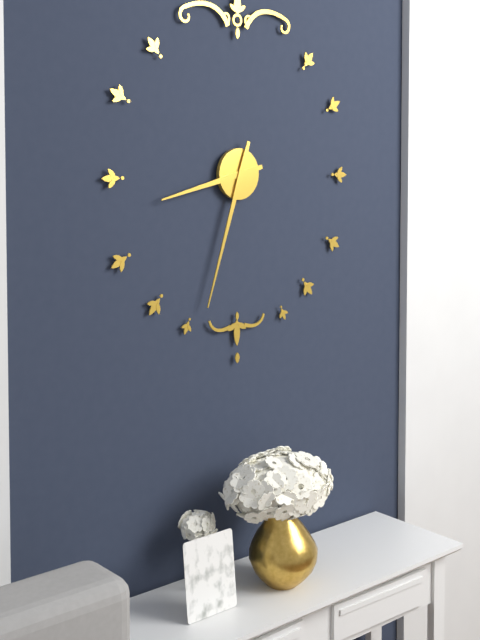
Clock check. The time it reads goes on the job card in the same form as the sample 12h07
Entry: 8h33
